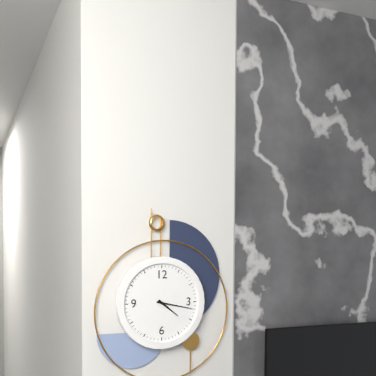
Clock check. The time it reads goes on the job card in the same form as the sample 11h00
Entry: 4h17
